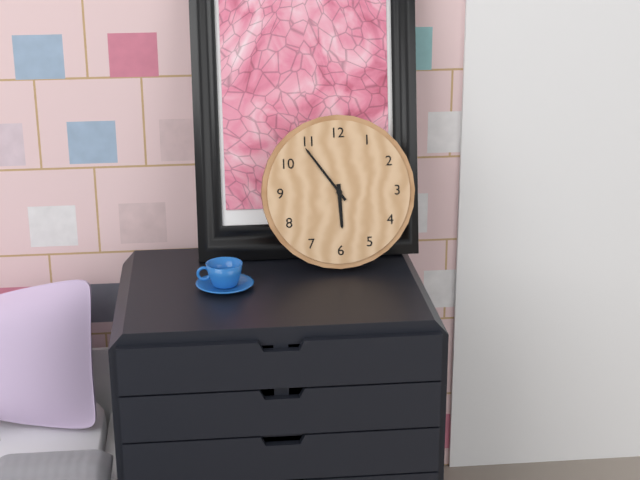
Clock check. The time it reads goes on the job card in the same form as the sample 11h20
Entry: 5h54
